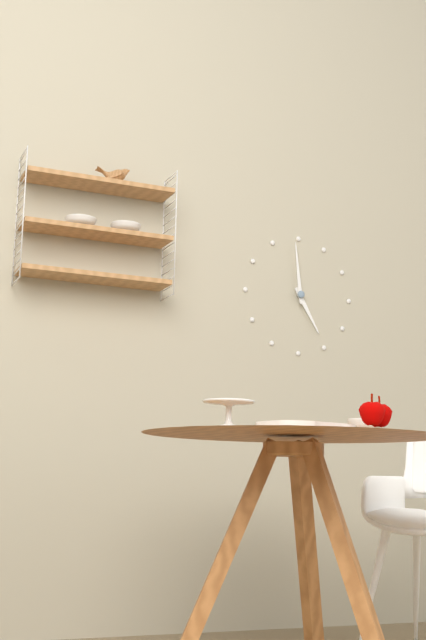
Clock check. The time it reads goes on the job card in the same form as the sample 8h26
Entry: 4h59
